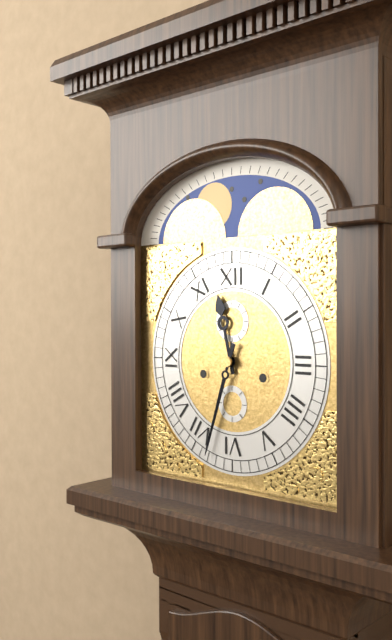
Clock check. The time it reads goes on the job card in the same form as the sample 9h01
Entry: 11h33
